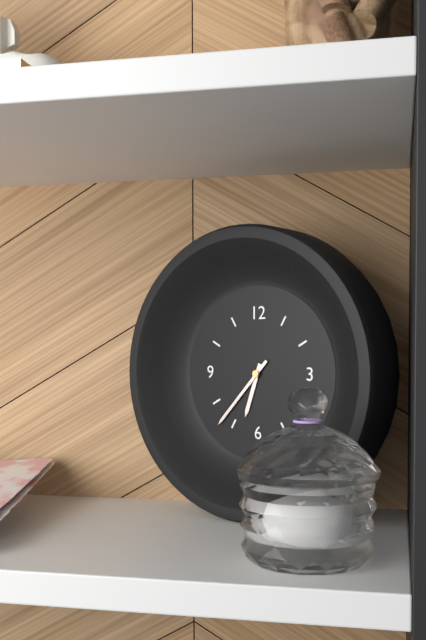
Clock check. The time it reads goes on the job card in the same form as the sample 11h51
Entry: 6h37
